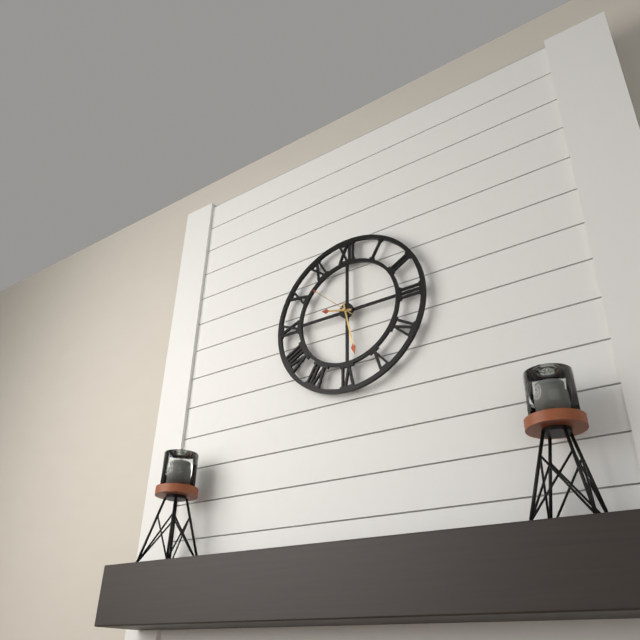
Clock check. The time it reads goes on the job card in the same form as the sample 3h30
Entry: 9h28
